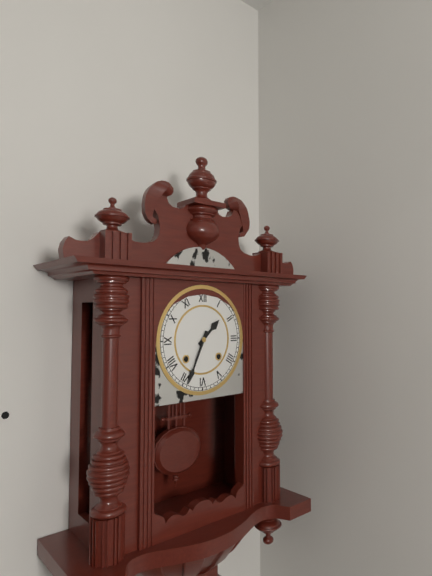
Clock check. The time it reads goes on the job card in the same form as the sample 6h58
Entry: 1h34
